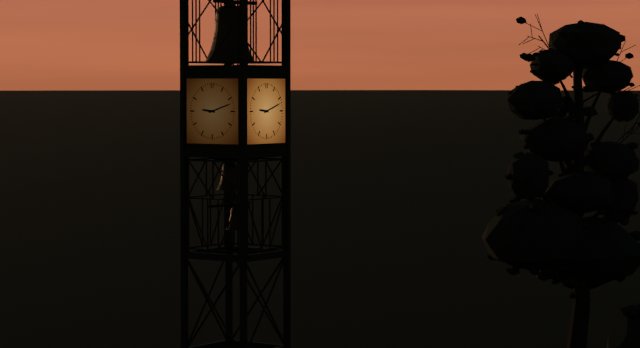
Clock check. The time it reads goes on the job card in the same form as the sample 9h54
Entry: 9h12
